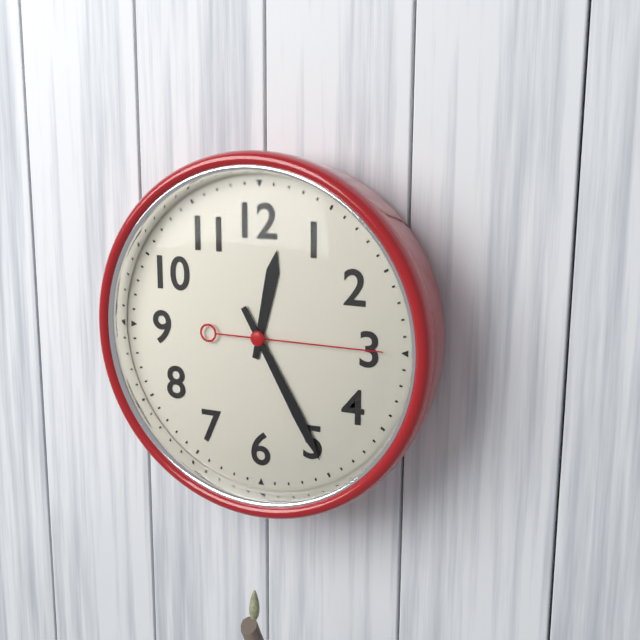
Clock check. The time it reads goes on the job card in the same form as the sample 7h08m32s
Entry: 12h25m15s
